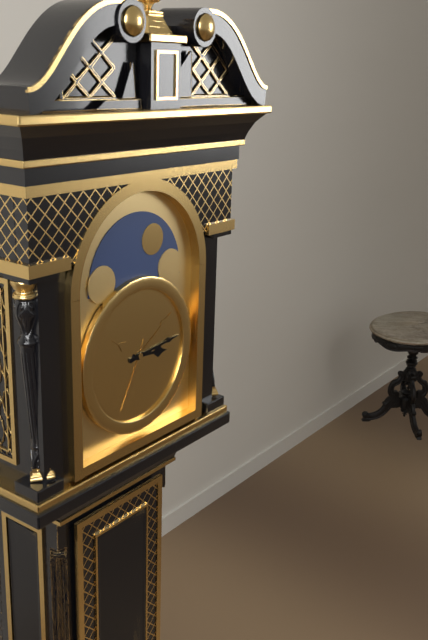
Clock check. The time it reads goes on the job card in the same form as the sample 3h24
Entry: 3h14
